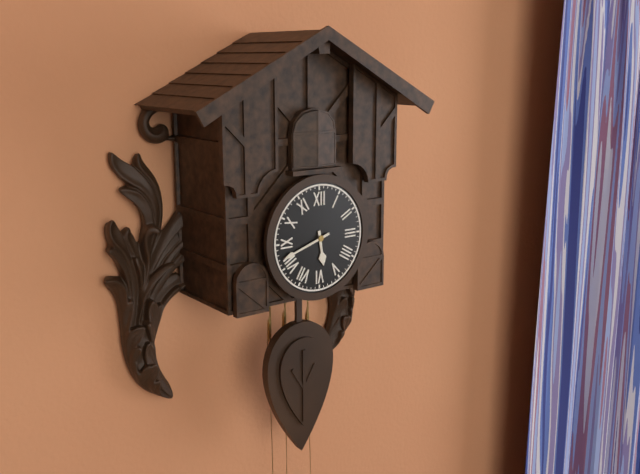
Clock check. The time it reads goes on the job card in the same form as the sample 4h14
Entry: 5h42
